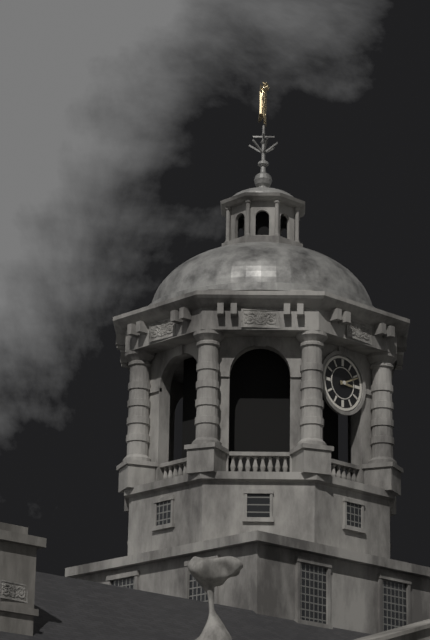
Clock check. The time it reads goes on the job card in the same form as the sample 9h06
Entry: 3h11
